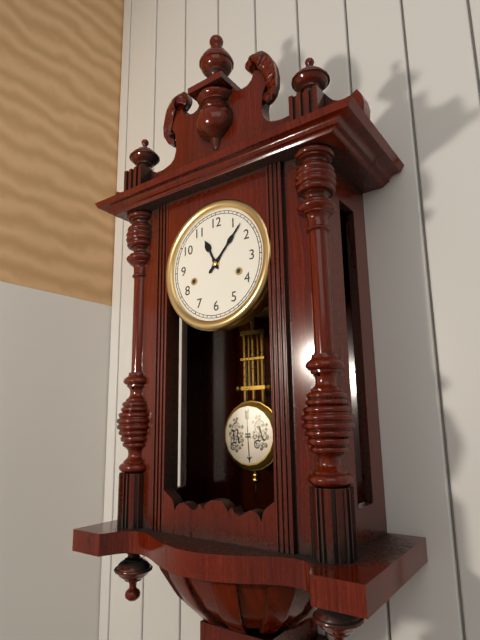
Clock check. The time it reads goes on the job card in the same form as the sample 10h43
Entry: 11h07
